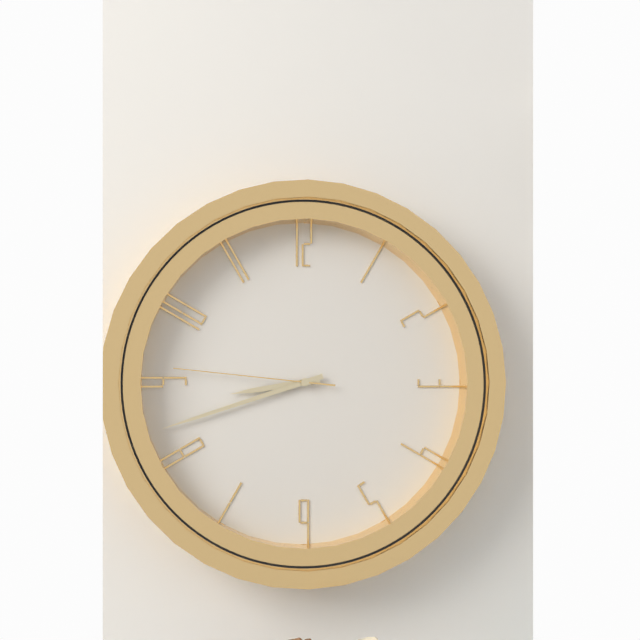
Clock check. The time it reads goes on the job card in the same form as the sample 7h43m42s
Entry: 8h42m46s
